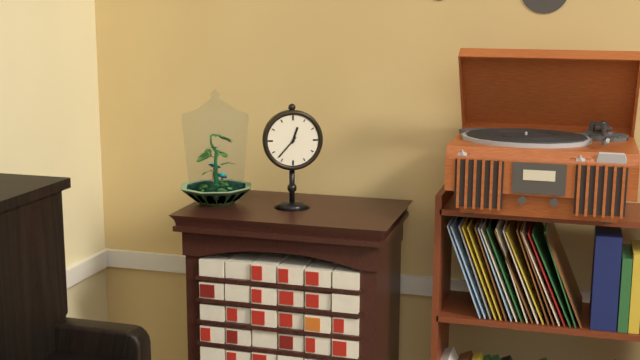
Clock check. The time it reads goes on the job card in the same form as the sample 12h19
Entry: 12h37
